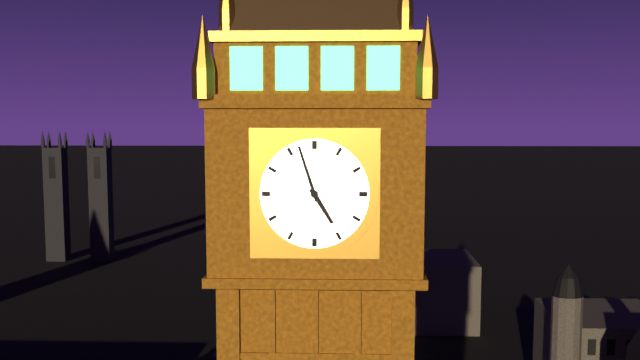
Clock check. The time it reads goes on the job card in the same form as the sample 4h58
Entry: 4h57
